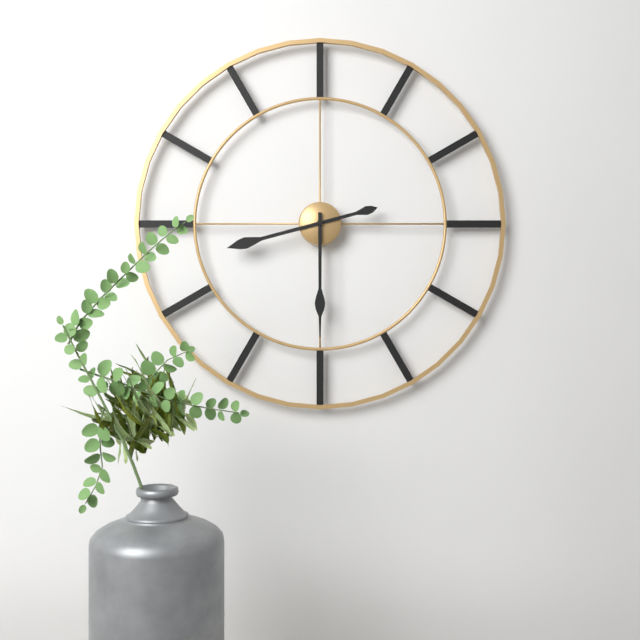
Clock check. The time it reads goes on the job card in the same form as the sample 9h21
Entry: 8h30
